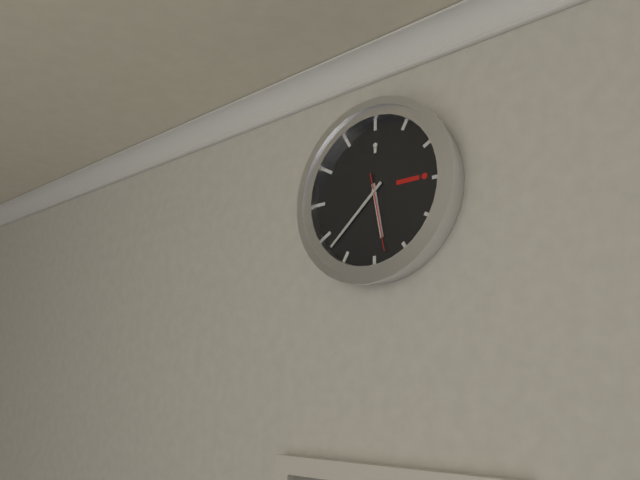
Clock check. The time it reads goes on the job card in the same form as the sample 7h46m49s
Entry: 5h38m28s
